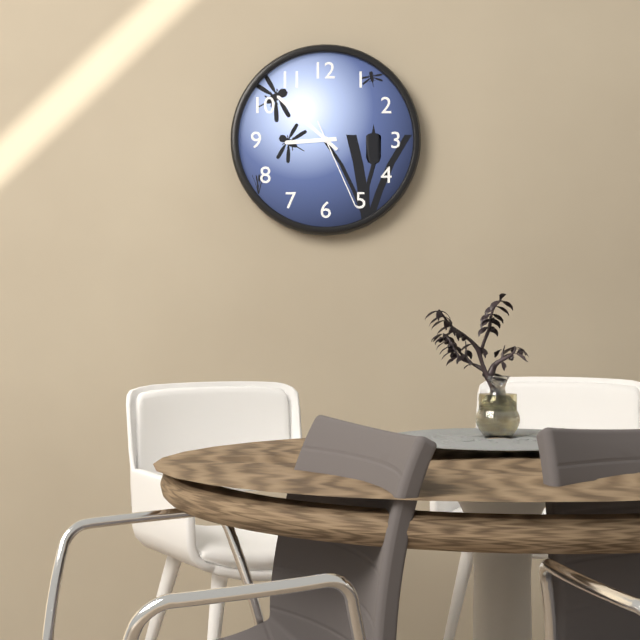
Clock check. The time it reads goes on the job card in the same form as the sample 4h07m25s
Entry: 8h52m26s
